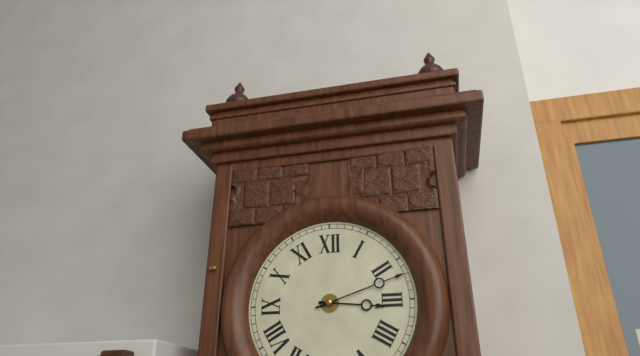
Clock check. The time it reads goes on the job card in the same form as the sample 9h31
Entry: 3h12
